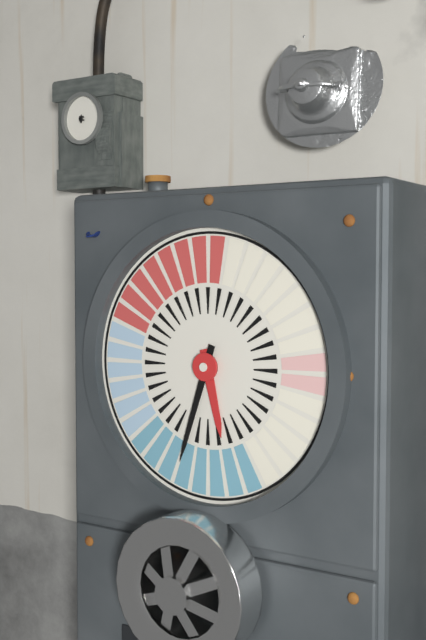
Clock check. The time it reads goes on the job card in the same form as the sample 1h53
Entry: 5h33
